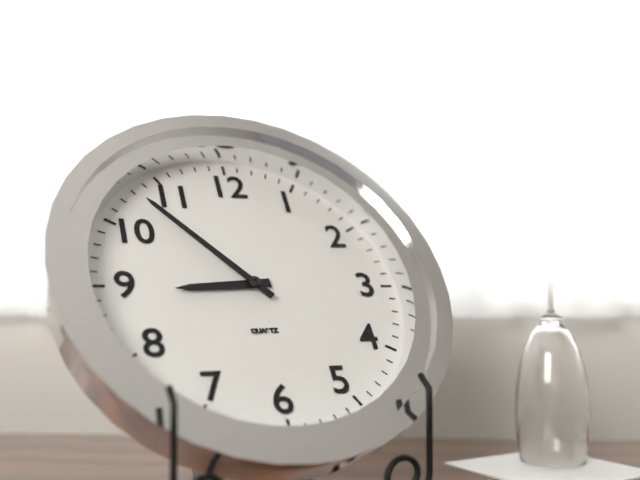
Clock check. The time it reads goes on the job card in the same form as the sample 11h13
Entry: 8h53
